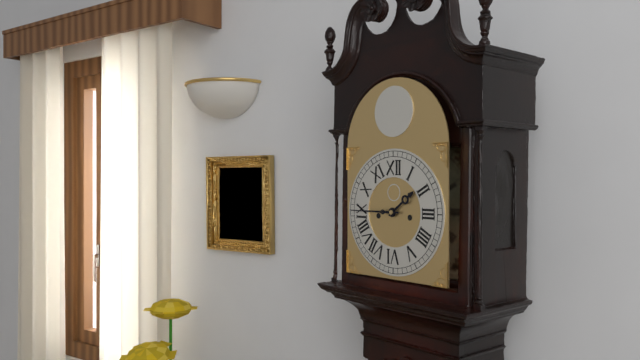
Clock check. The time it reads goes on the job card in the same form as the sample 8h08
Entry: 1h45
